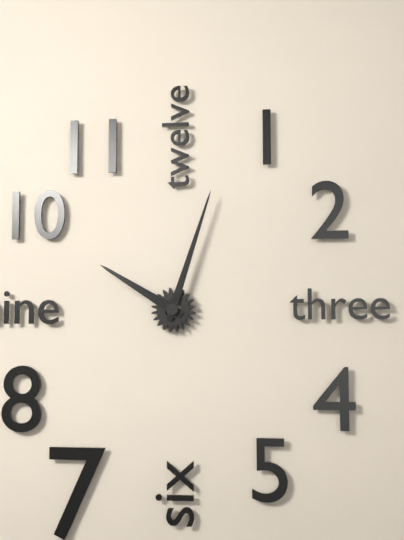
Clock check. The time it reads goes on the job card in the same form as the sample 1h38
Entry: 10h03
